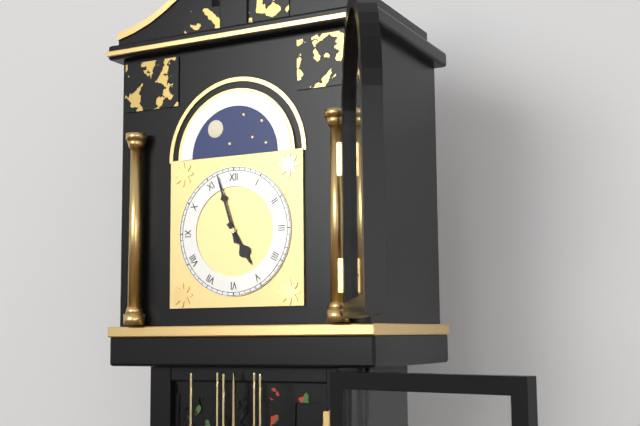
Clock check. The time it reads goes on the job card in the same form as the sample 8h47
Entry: 4h57
